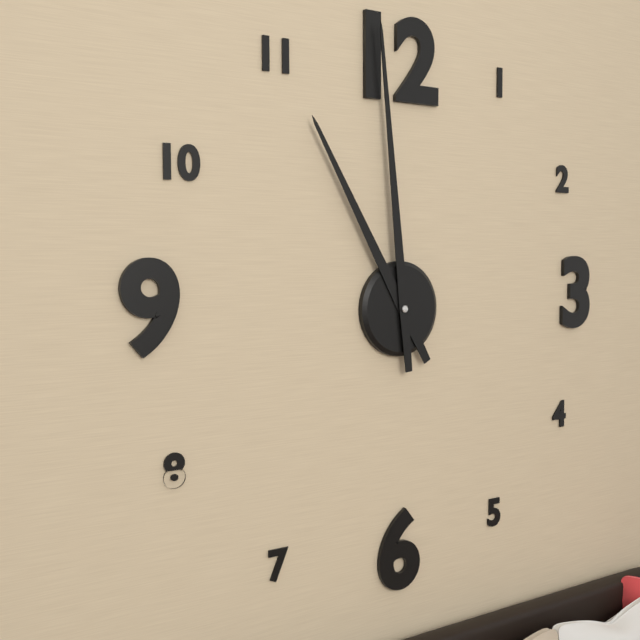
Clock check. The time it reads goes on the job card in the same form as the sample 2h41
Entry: 10h59
